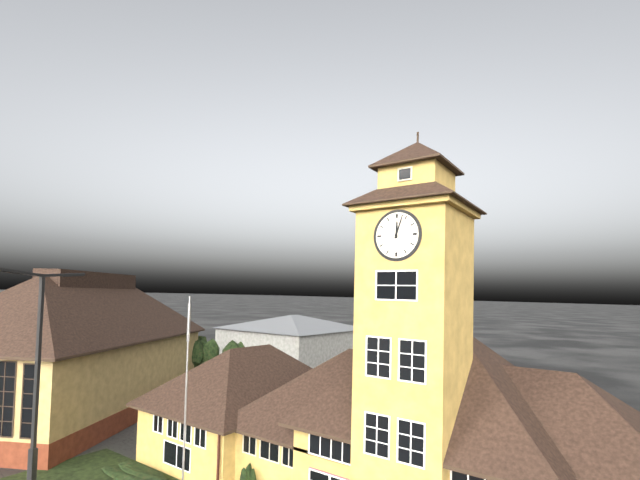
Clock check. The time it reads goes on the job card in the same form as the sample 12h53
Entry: 12h03
